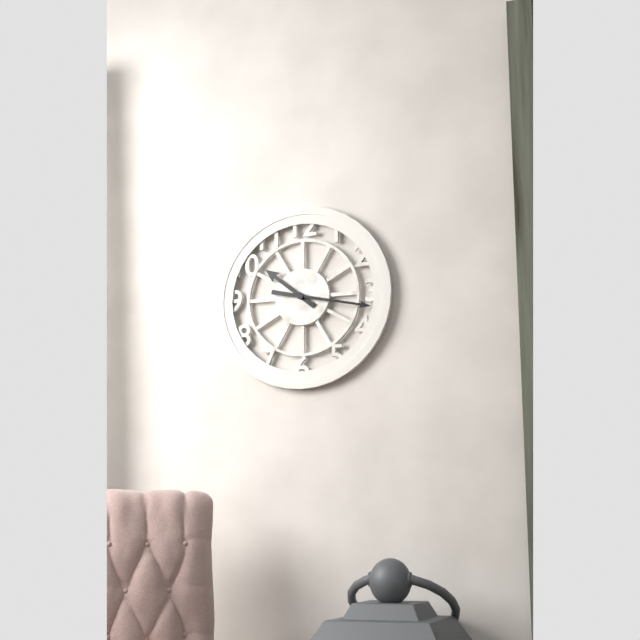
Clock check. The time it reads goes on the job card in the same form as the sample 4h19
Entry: 10h17
